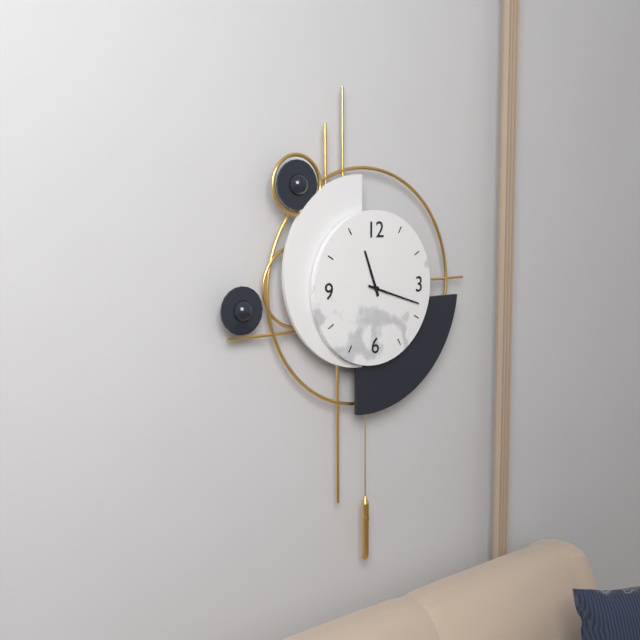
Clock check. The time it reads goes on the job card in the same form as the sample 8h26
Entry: 11h18
